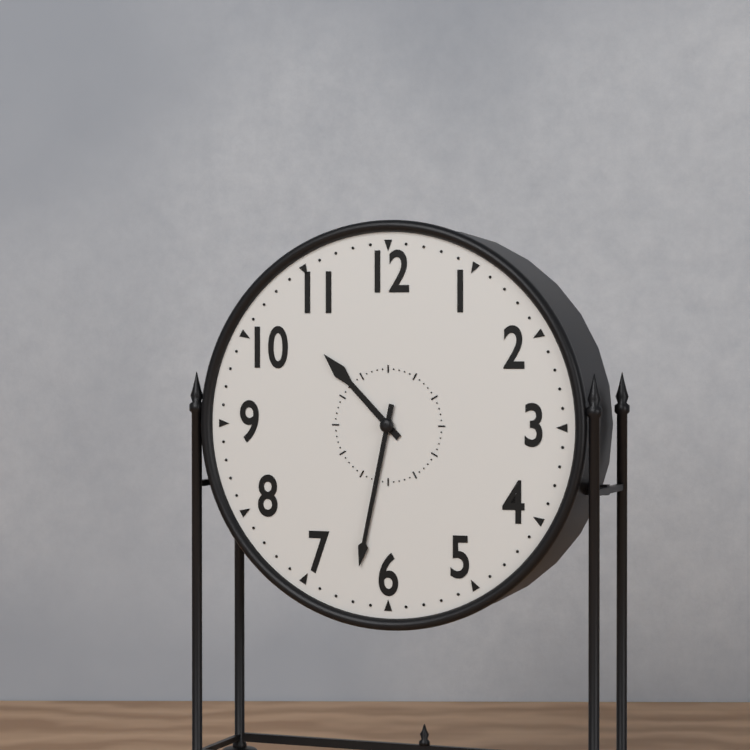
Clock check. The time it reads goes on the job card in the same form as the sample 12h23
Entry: 10h32
